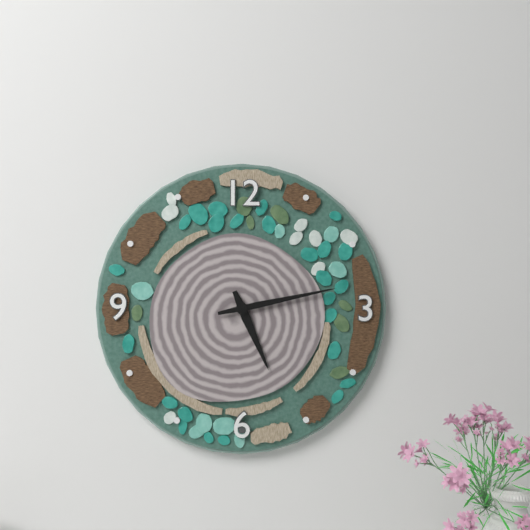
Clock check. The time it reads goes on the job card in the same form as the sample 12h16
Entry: 5h13
